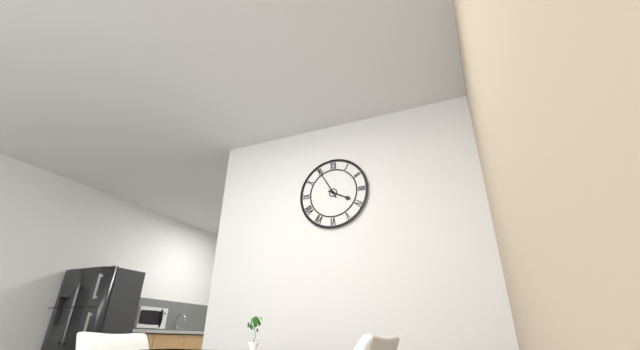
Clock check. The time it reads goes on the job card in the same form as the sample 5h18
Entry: 3h55
